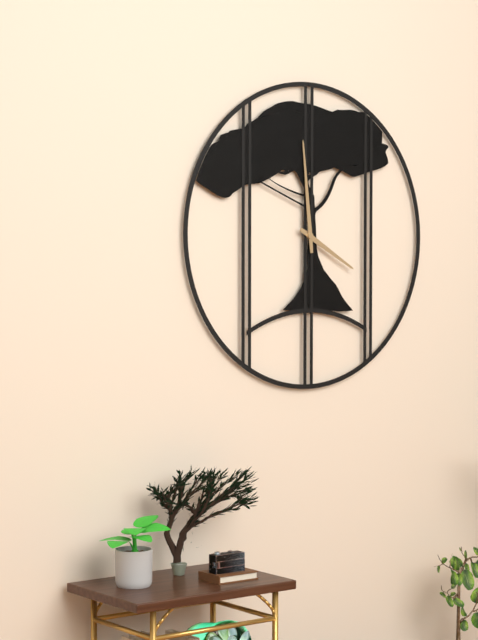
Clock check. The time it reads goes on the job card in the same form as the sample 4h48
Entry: 3h59
